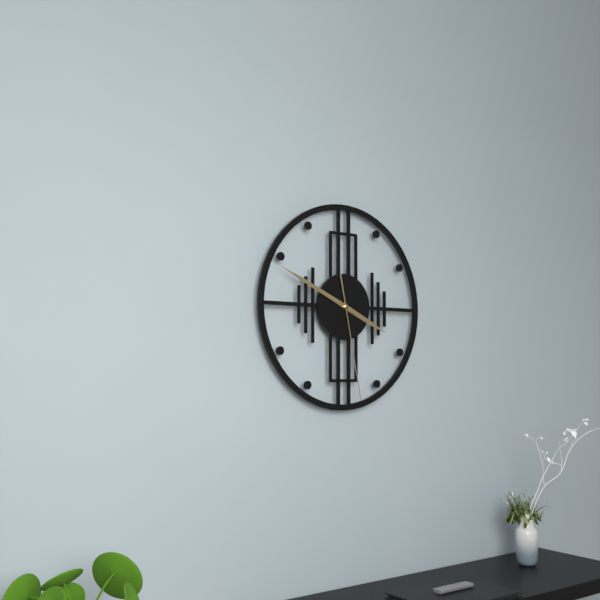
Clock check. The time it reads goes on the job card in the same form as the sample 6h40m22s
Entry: 3h49m28s
